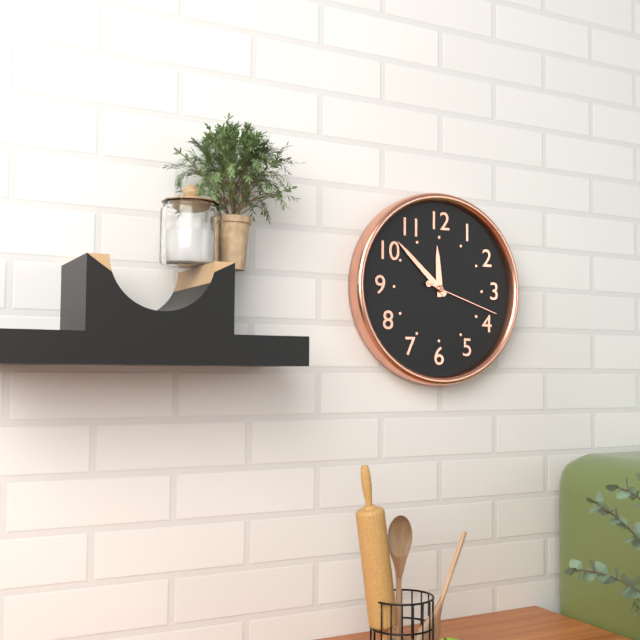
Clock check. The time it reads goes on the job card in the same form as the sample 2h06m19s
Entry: 11h52m18s
